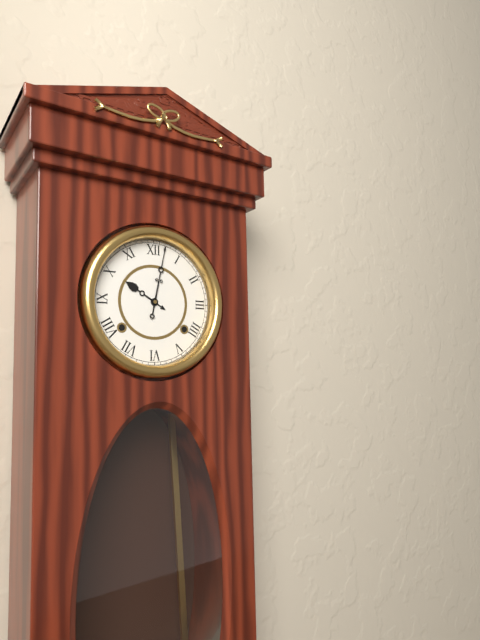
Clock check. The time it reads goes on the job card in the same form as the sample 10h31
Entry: 10h02
